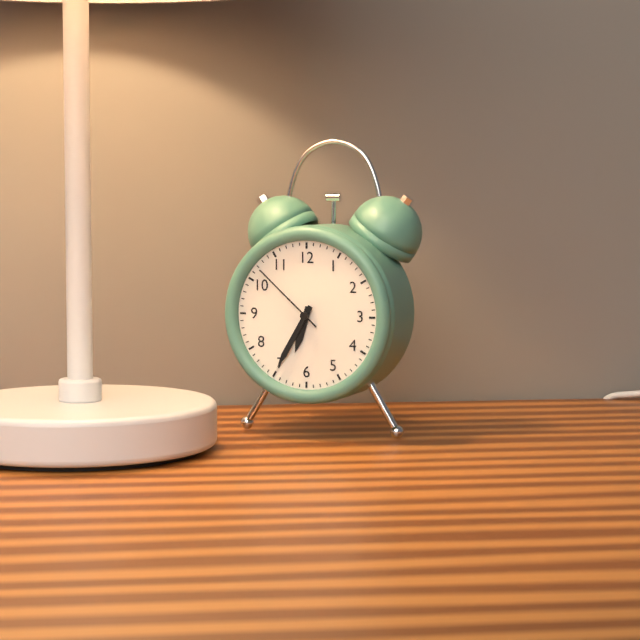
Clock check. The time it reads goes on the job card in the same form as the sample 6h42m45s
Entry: 6h35m52s
